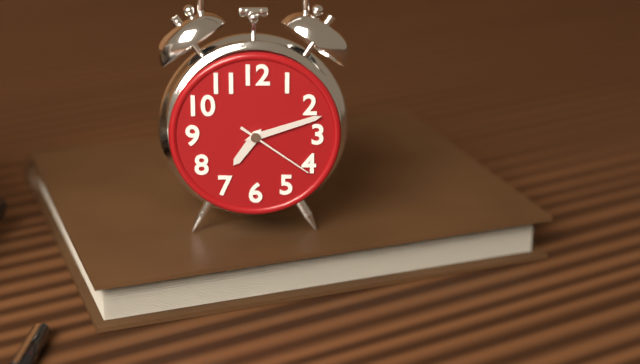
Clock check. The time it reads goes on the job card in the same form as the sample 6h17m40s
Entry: 7h12m21s
